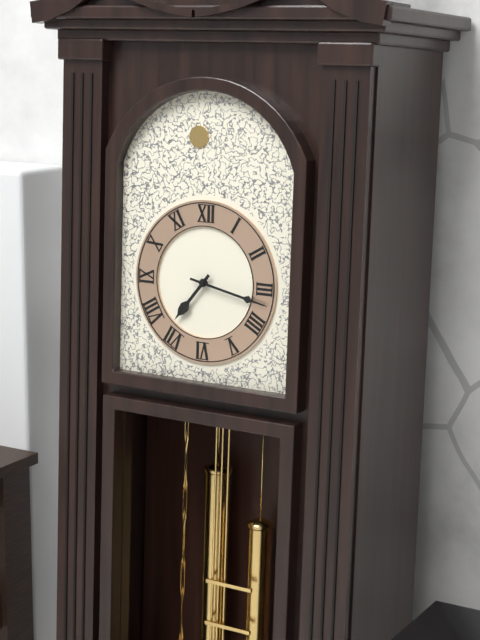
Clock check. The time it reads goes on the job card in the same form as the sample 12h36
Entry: 7h17
